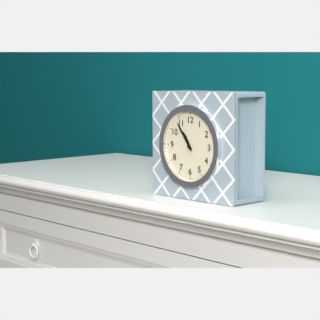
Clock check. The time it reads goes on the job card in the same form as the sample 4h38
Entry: 10h54
